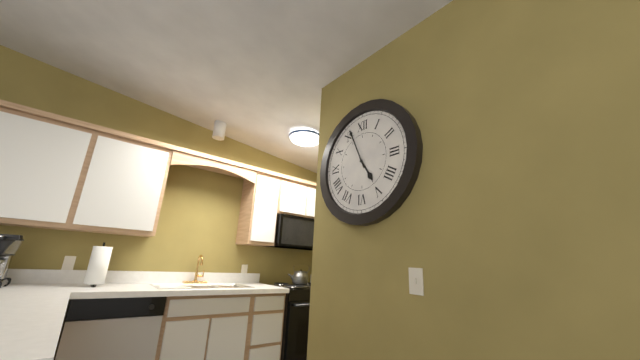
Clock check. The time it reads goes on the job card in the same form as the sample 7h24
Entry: 4h56
